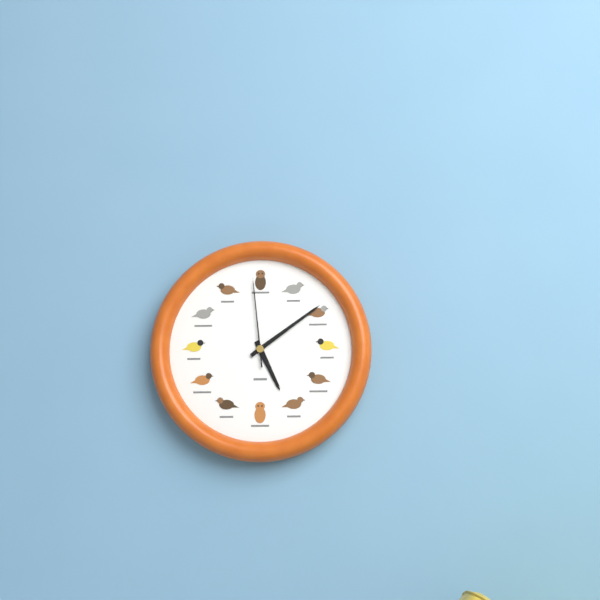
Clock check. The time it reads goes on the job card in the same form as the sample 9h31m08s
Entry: 5h09m59s
